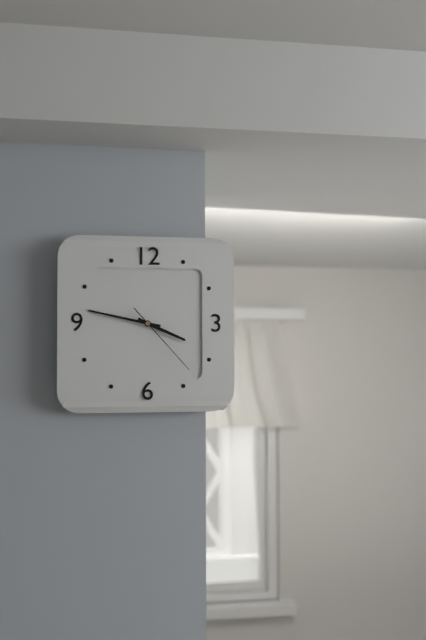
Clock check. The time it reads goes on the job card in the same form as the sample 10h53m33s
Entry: 3h47m23s
